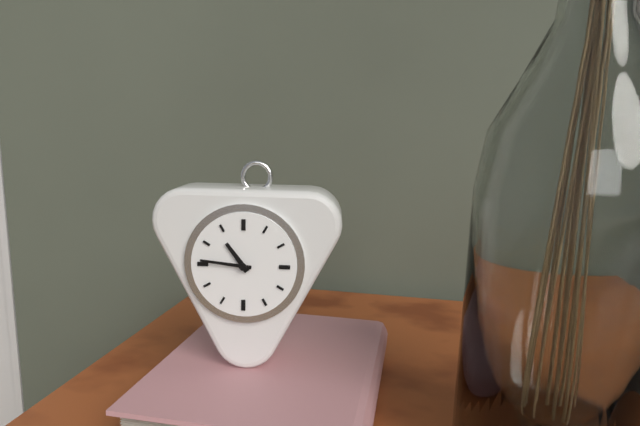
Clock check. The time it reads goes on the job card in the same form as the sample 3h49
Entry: 10h46
